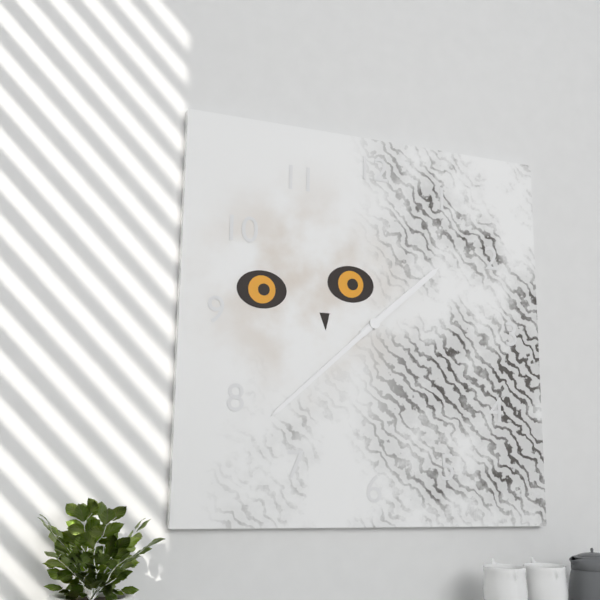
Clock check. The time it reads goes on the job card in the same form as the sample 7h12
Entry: 1h38
